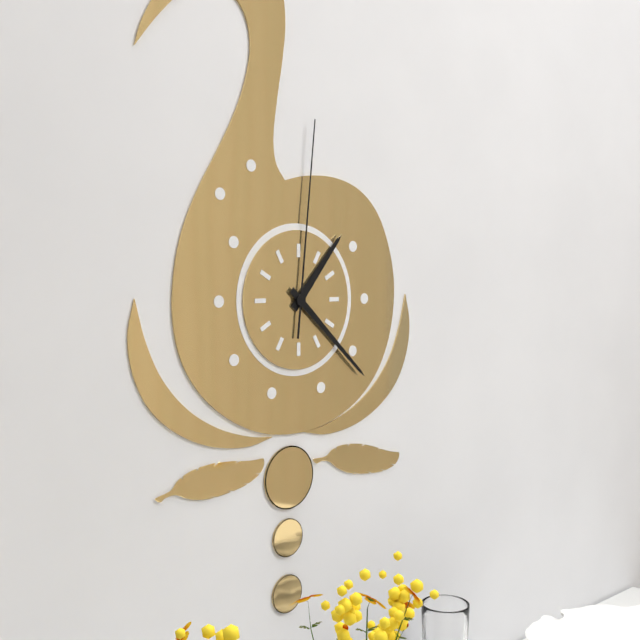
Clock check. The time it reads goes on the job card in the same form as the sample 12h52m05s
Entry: 1h22m01s
